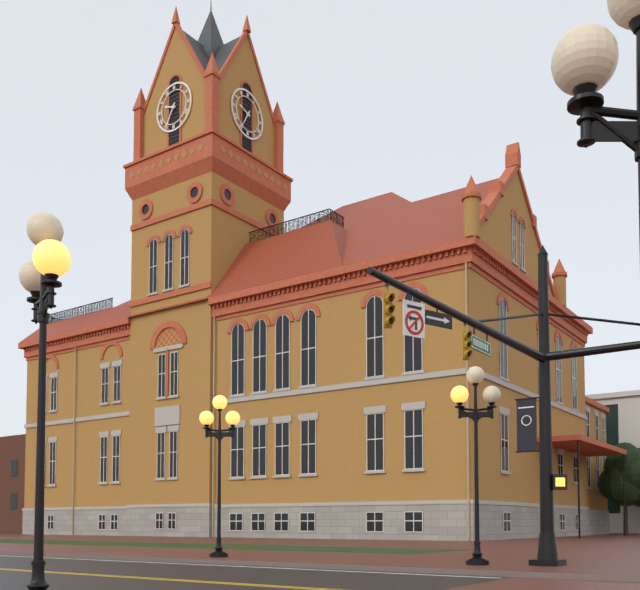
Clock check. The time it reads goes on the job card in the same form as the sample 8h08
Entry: 9h35
